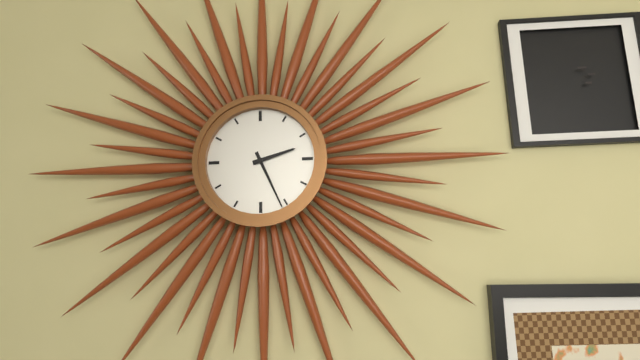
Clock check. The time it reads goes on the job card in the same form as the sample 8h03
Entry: 2h26
